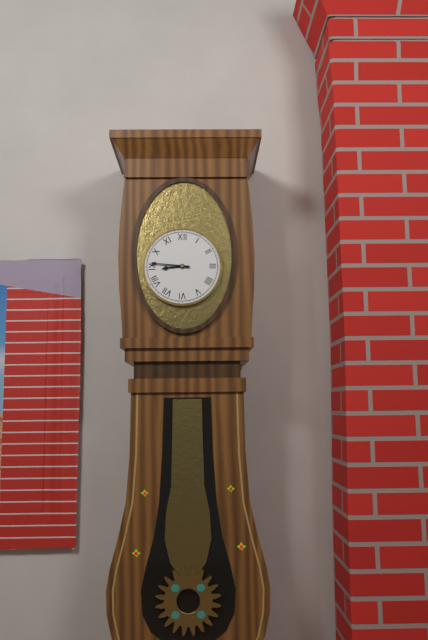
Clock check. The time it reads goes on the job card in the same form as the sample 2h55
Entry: 8h46
